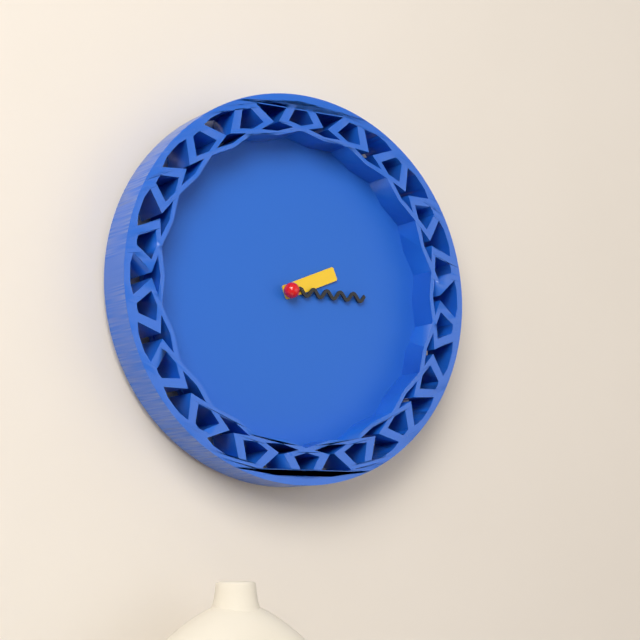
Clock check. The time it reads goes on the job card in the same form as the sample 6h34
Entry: 2h15
